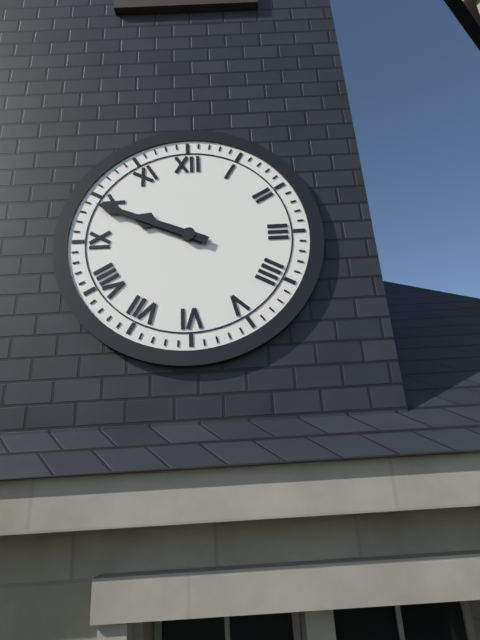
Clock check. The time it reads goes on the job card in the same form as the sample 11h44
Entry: 9h49
